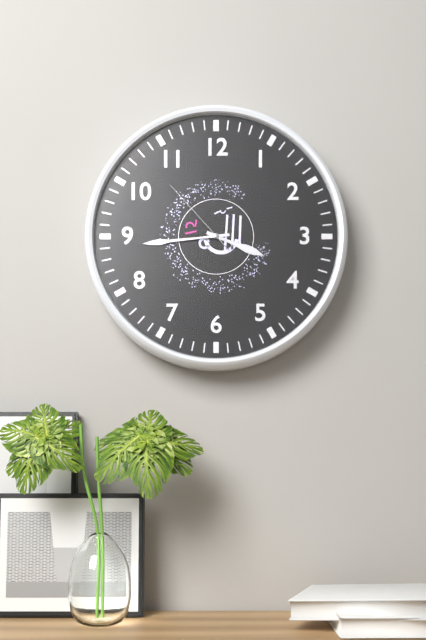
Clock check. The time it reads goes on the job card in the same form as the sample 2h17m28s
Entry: 3h44m53s
